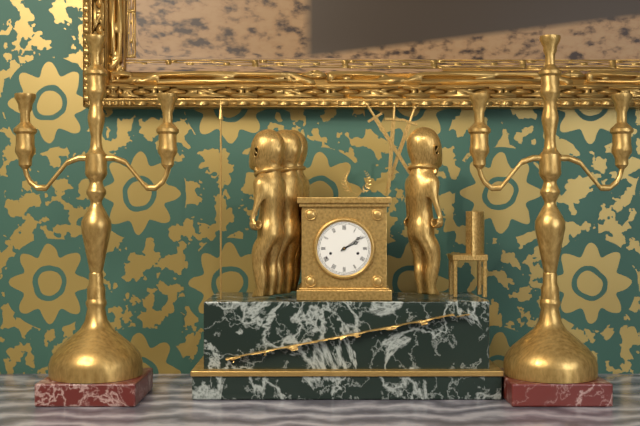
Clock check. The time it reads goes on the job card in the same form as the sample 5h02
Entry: 2h09
